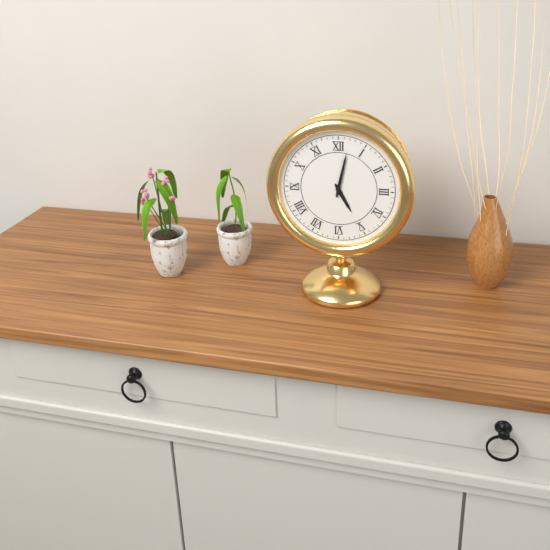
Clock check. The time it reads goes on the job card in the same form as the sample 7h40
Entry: 5h02
